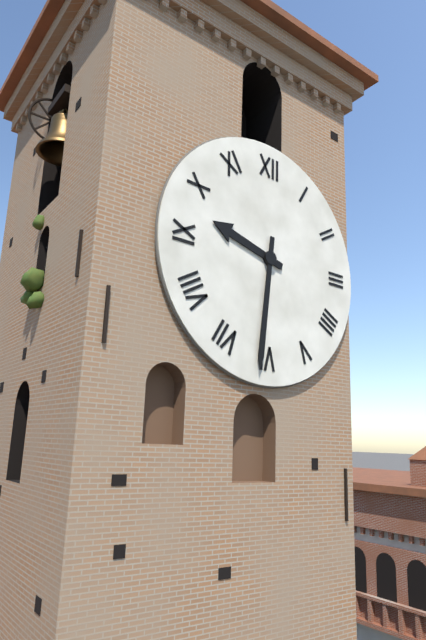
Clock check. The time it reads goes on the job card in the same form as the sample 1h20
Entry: 9h31
